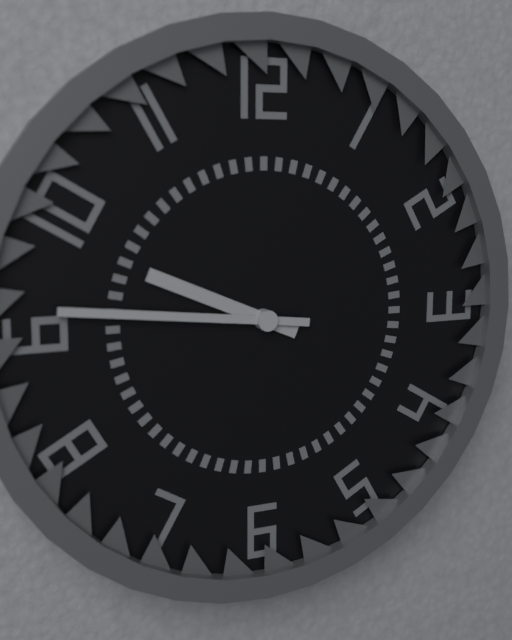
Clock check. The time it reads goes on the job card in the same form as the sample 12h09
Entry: 9h46
